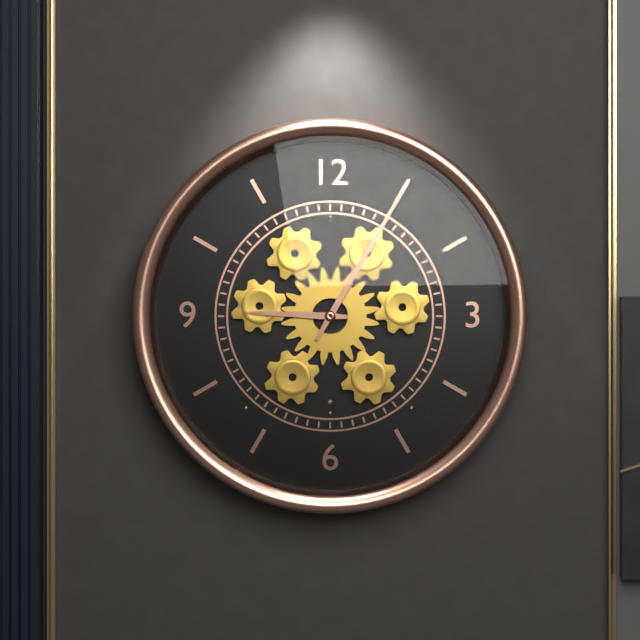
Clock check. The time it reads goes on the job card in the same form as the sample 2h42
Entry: 9h05
